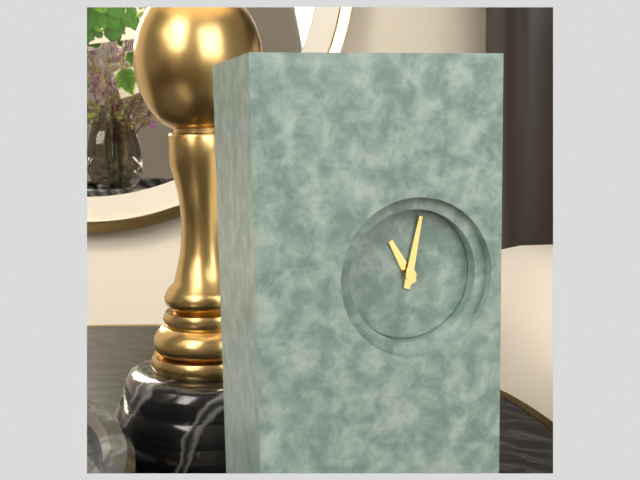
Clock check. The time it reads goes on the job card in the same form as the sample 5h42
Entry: 11h02
